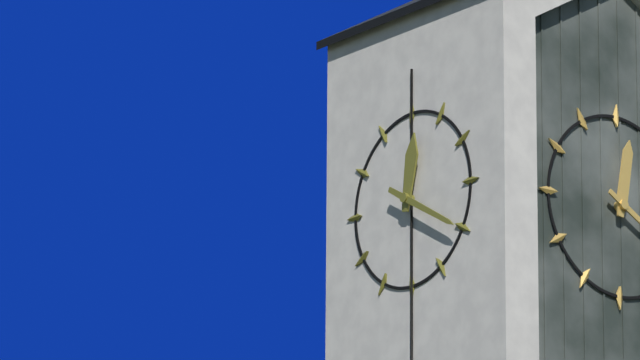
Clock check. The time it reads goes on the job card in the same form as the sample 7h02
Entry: 12h20
